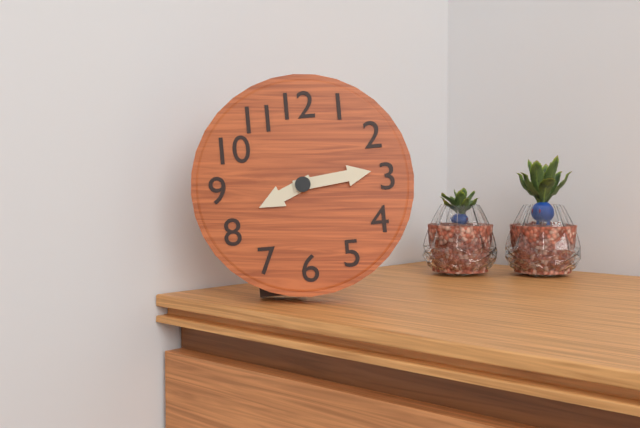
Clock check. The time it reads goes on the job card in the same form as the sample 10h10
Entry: 8h14
